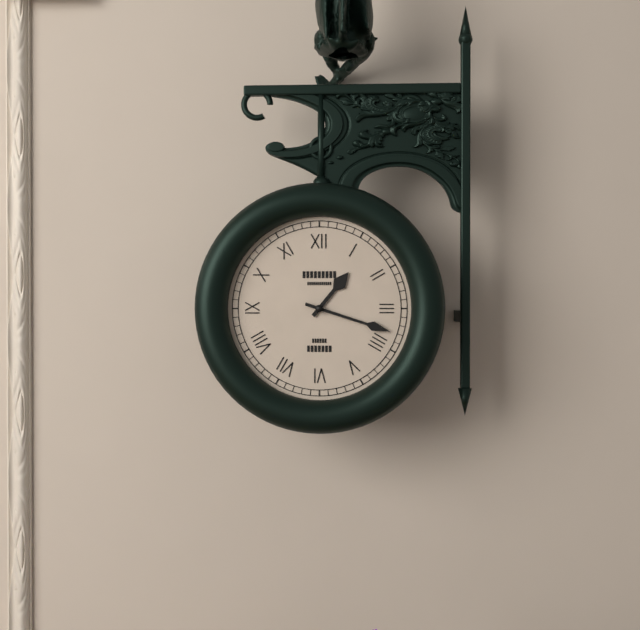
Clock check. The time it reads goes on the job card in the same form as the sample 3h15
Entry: 1h18
